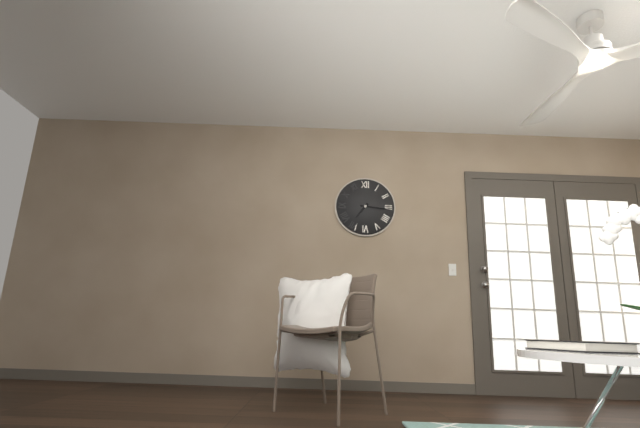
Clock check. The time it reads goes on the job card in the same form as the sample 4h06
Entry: 7h16
